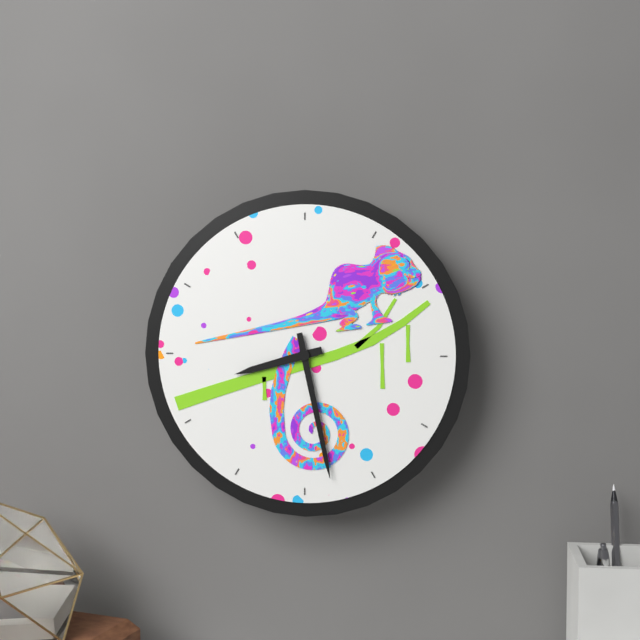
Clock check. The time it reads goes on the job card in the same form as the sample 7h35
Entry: 8h28
